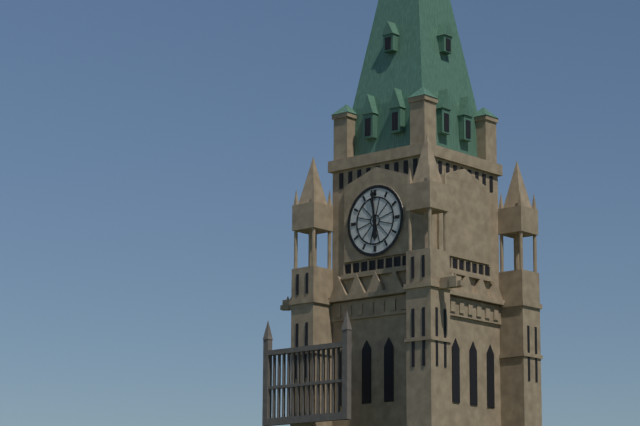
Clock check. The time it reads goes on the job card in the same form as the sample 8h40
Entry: 5h59
